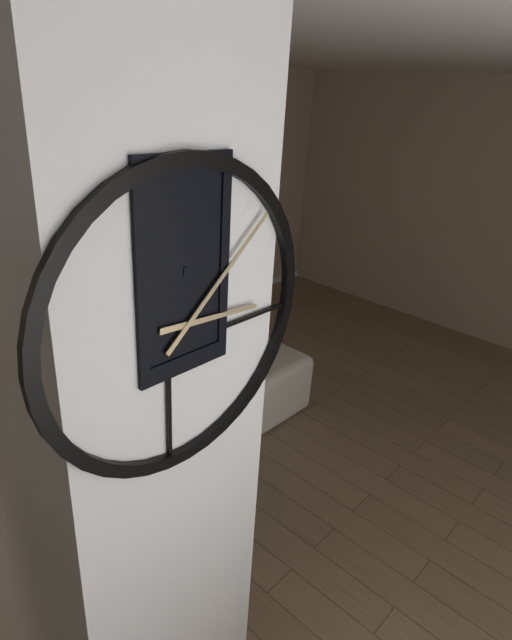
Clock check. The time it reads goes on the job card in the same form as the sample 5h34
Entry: 3h08
